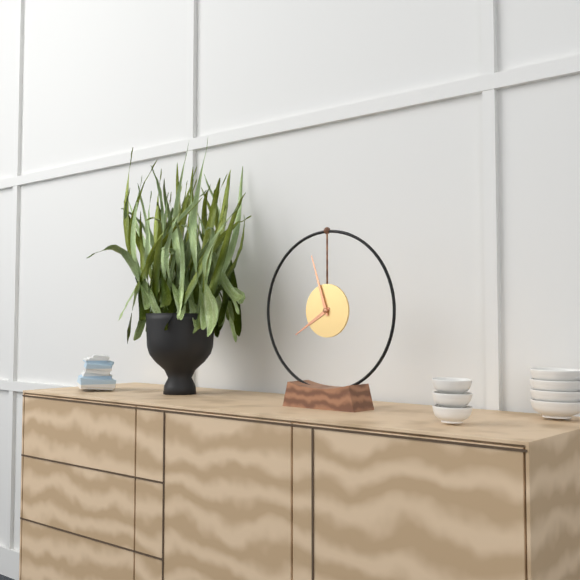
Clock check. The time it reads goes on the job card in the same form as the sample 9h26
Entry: 7h57
